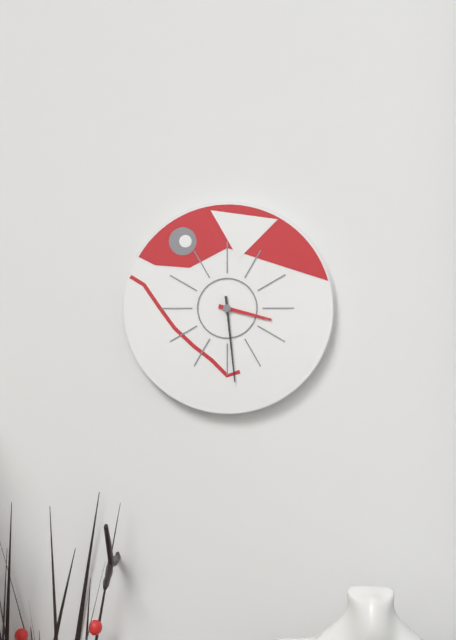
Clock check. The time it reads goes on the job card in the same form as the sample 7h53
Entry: 3h29
